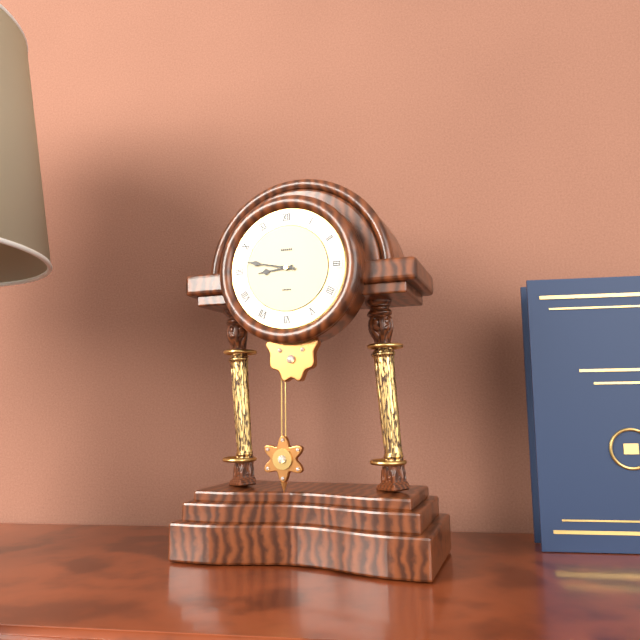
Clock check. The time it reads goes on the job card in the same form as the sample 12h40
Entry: 8h47
